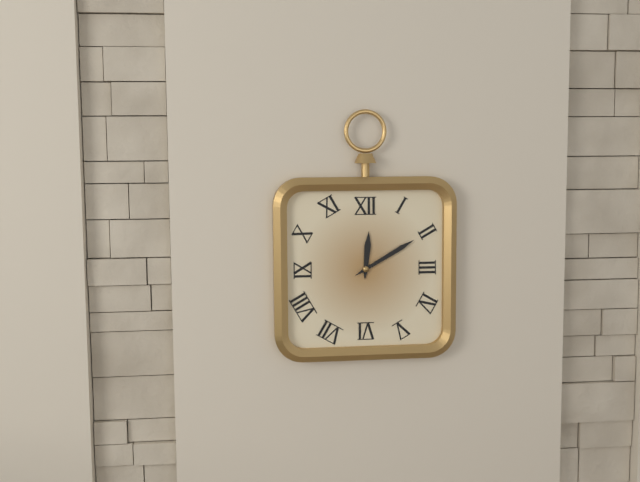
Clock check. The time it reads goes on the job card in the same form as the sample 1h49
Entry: 12h10
